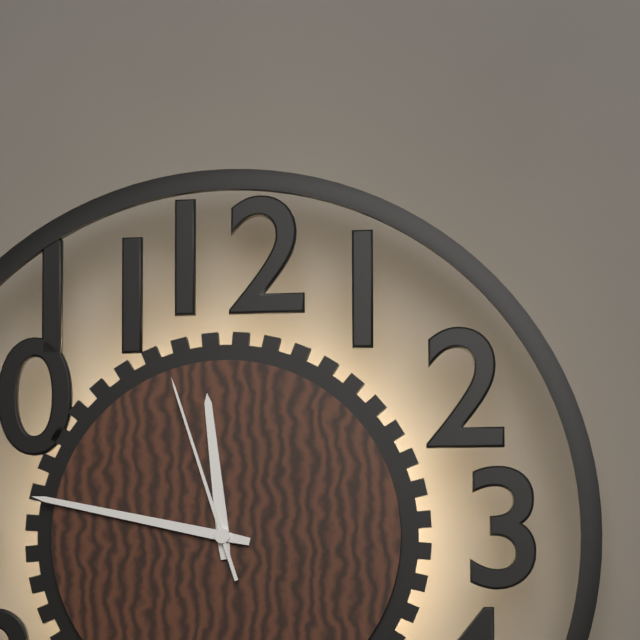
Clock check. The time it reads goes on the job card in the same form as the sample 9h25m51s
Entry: 11h47m57s
